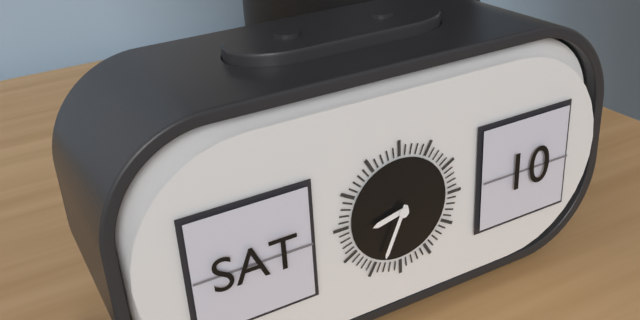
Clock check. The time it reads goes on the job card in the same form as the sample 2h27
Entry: 8h34
